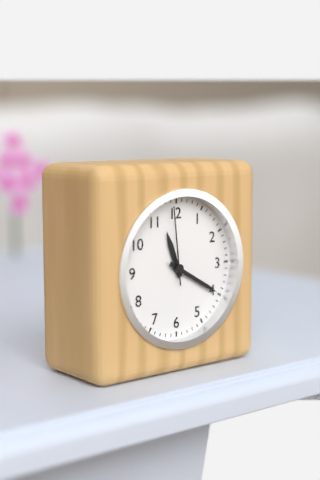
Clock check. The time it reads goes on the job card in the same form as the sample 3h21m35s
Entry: 11h20m59s
